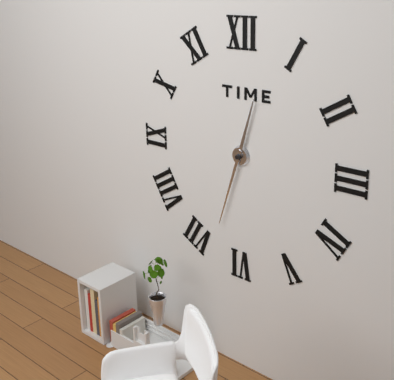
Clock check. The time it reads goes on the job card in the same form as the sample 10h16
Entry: 12h33
